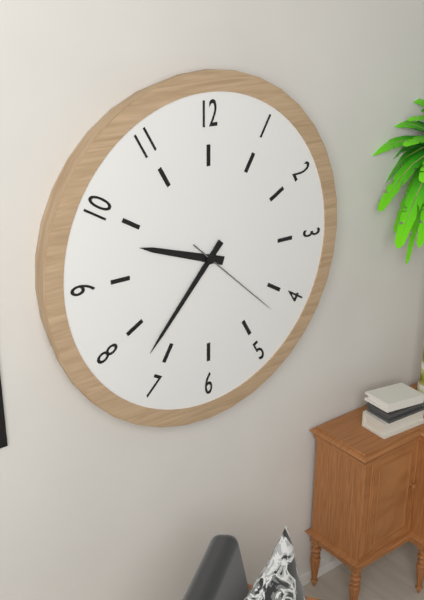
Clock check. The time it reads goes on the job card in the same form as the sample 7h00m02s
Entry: 9h37m22s
